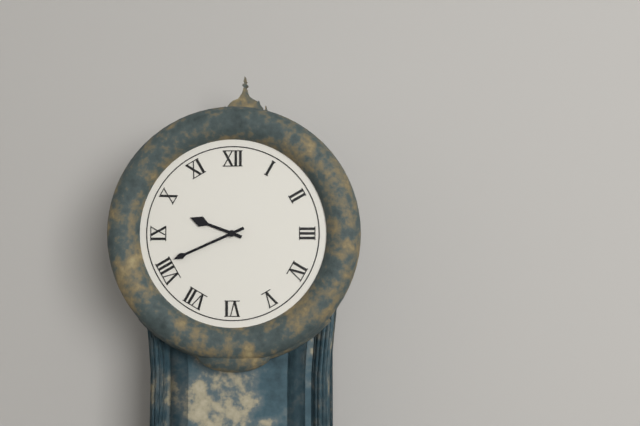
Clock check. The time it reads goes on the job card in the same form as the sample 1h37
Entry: 9h41
